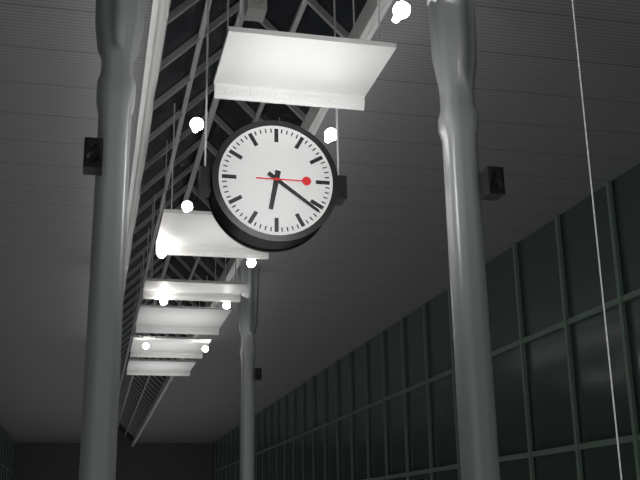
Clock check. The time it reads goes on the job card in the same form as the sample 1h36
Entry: 6h21
